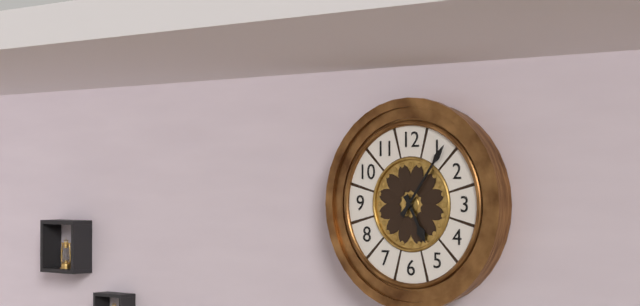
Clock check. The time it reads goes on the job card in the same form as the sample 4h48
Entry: 5h06
